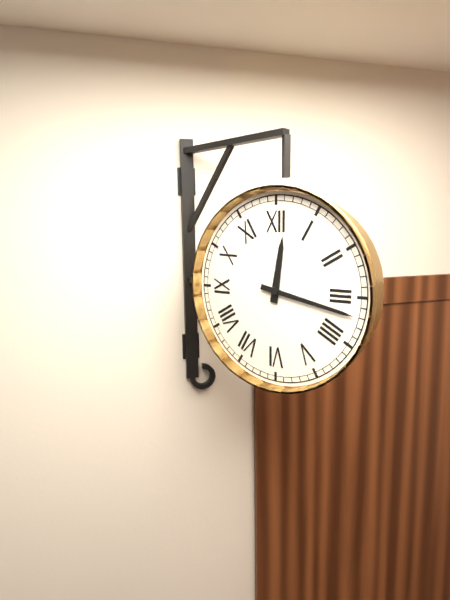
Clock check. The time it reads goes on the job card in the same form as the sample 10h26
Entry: 12h17
